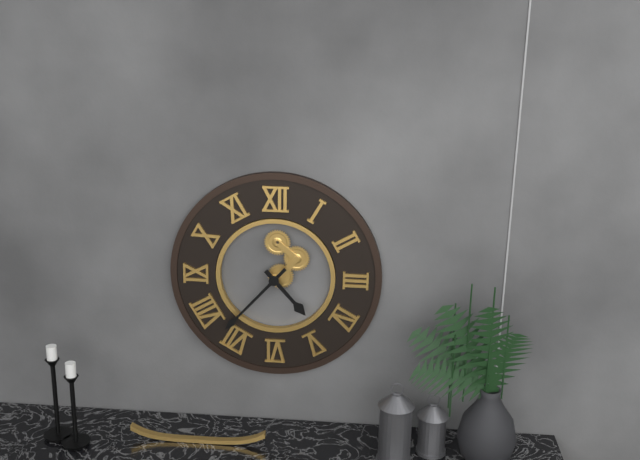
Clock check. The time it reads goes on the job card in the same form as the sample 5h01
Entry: 4h37
